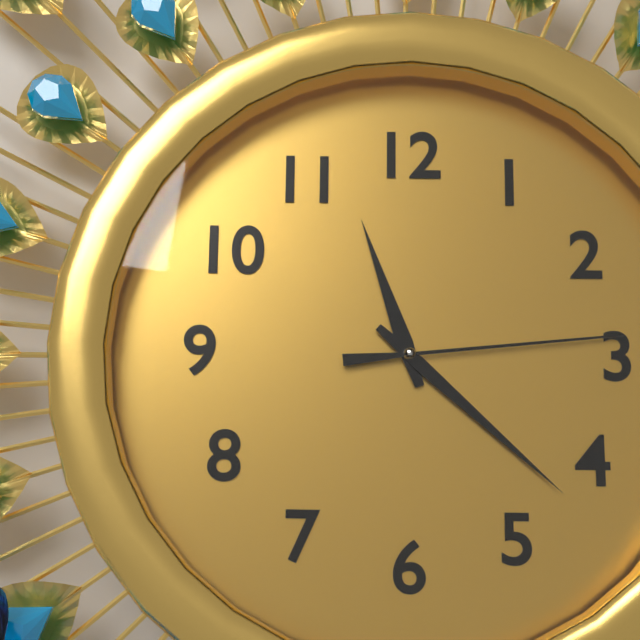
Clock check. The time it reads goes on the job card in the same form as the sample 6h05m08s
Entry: 11h22m14s
